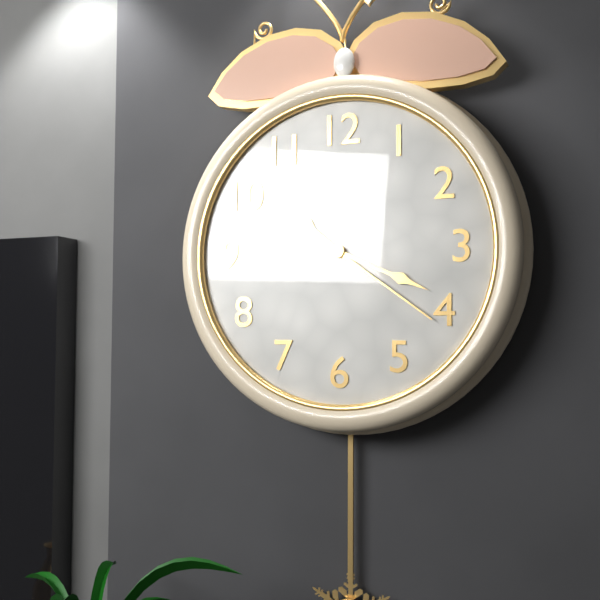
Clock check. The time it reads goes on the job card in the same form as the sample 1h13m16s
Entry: 10h19m21s
